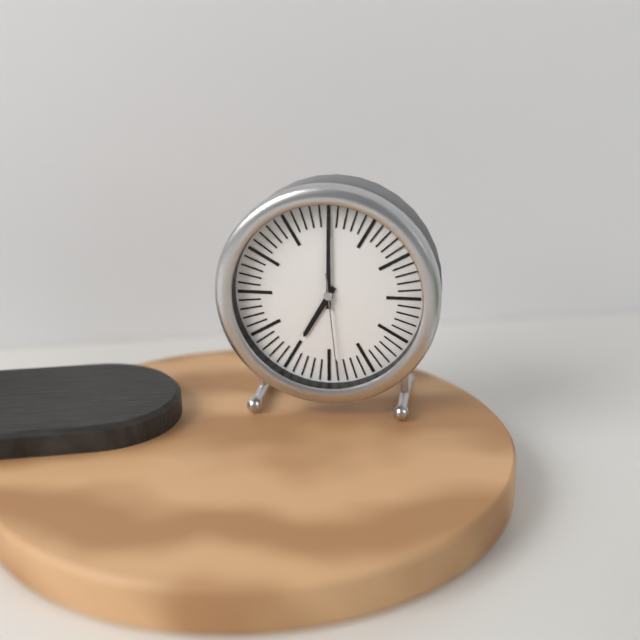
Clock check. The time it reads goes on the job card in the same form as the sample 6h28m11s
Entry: 7h00m29s
